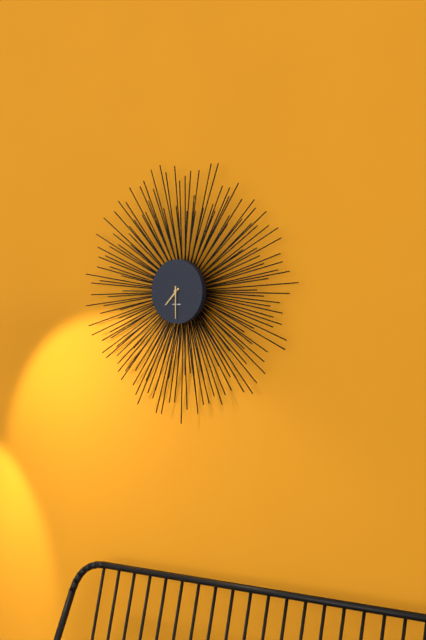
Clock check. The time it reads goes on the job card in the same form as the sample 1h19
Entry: 7h30
